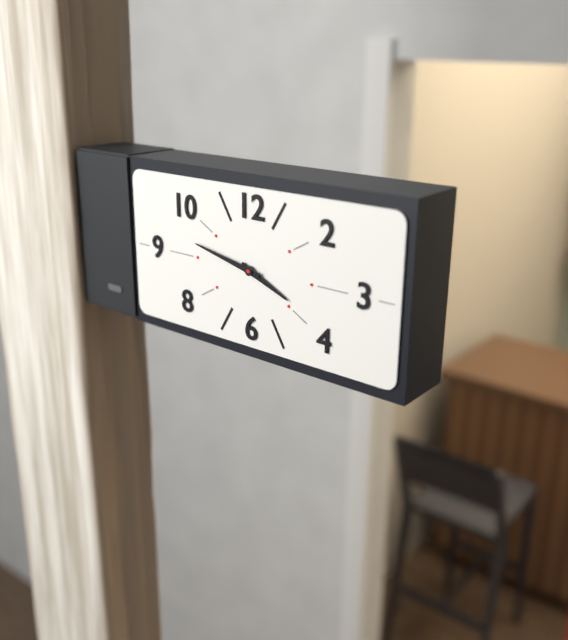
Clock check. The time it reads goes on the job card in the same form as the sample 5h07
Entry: 3h47
